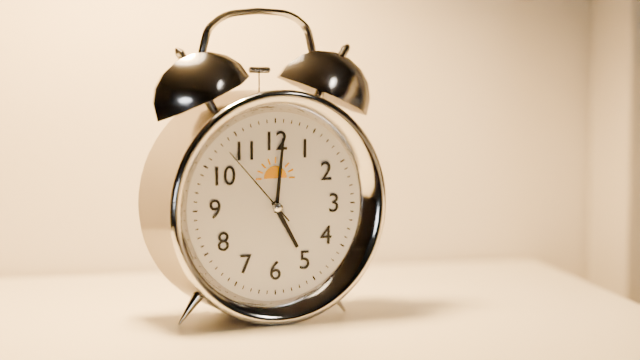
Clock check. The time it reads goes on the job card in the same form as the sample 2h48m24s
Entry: 5h01m53s
